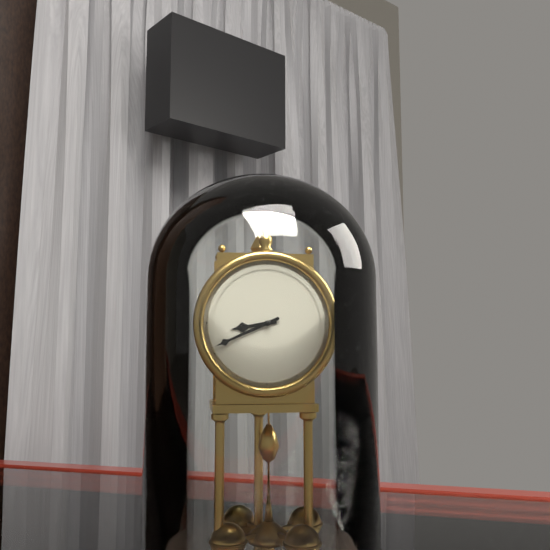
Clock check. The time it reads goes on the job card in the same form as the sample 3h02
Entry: 8h41
